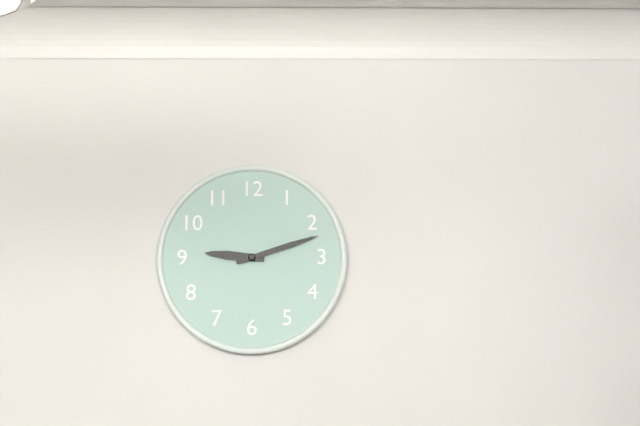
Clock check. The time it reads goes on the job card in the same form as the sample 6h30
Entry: 9h12
